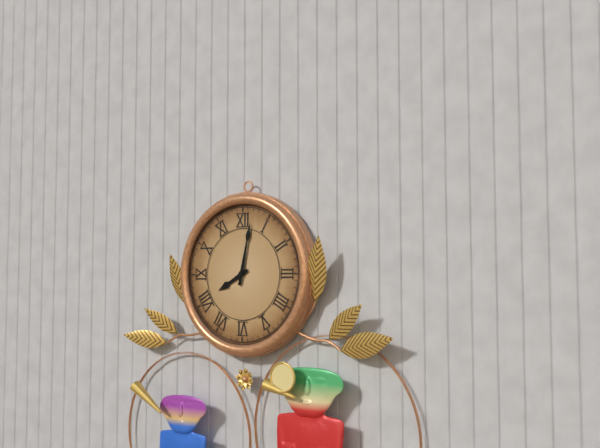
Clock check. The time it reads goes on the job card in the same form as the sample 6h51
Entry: 8h02
